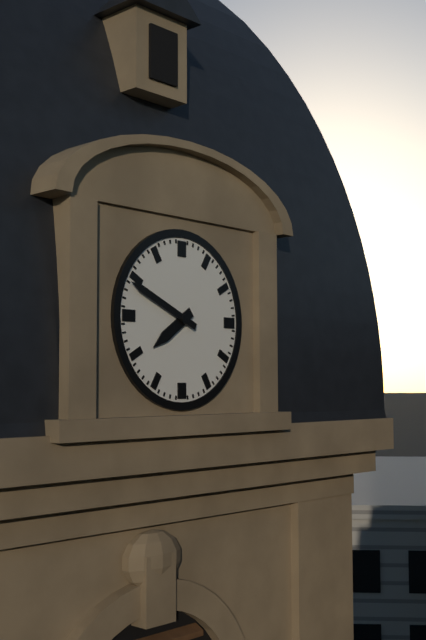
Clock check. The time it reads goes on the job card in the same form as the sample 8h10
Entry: 7h49
